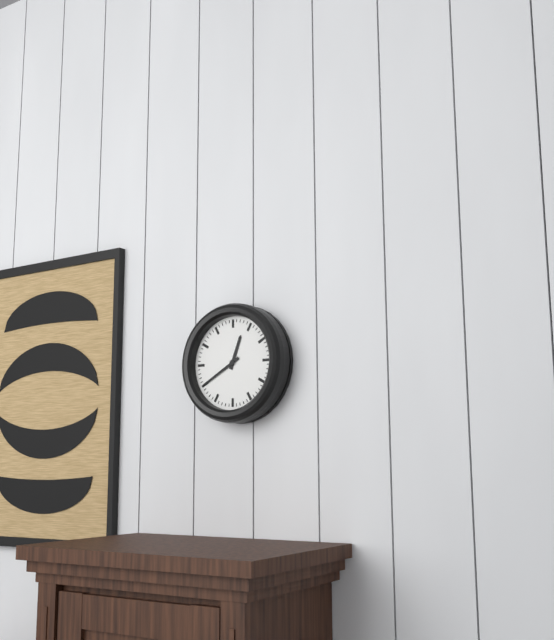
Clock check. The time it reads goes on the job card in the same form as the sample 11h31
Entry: 12h40
